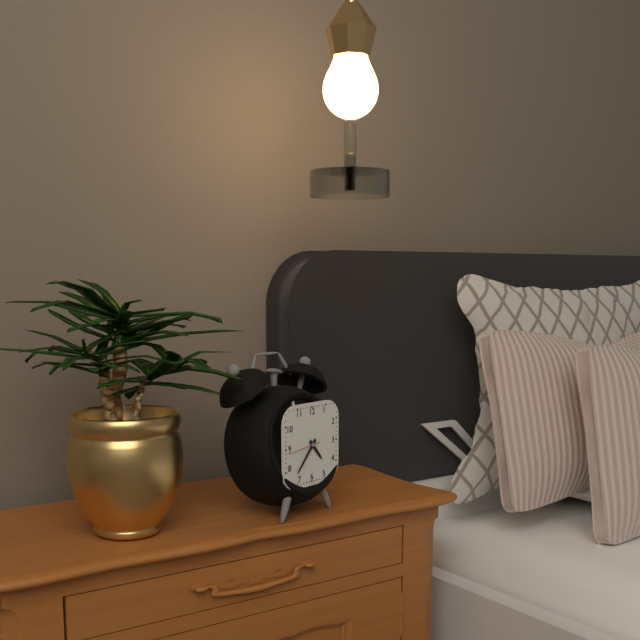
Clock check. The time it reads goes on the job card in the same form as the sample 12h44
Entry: 4h37
